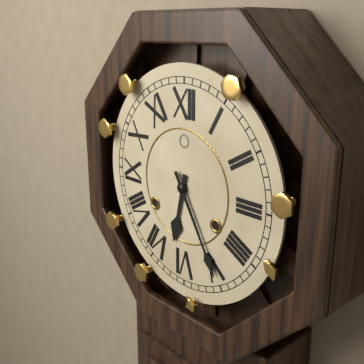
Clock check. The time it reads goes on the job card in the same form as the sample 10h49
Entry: 6h25
